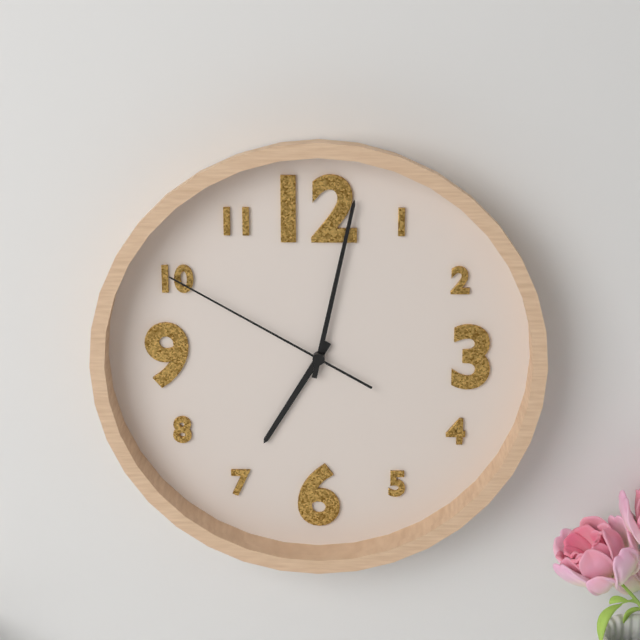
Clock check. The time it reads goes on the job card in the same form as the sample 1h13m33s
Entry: 7h02m50s
